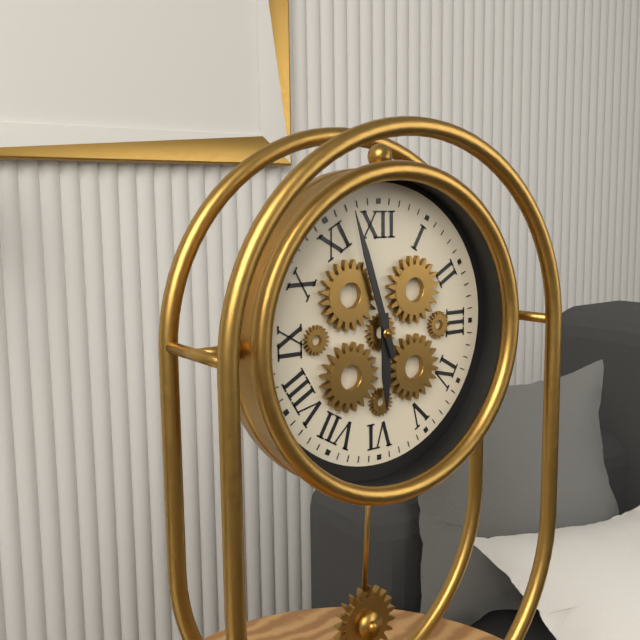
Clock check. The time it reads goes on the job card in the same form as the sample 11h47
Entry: 5h57
